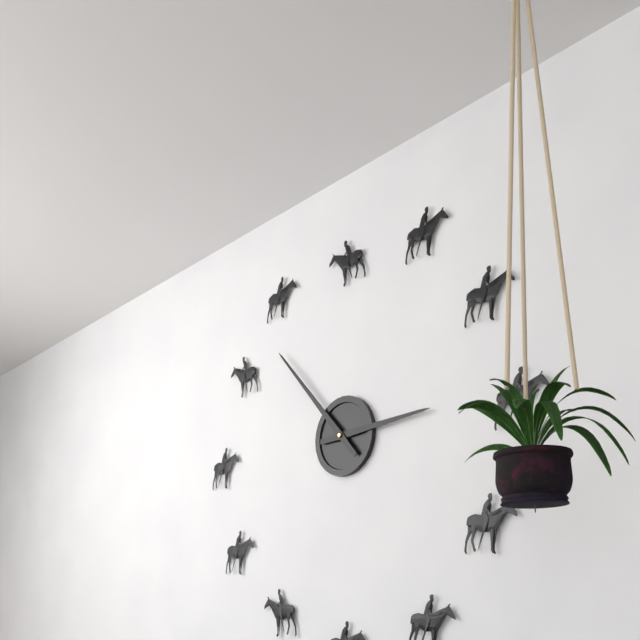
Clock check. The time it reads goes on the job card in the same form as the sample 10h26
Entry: 2h53
